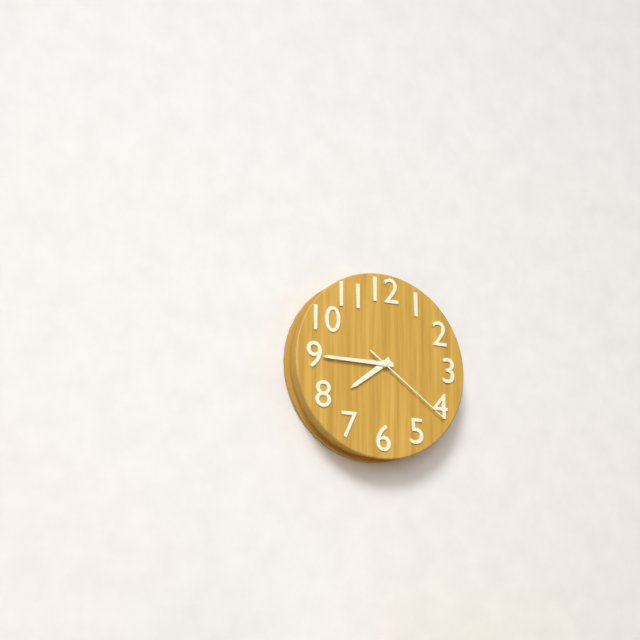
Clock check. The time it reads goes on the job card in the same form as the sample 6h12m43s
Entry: 7h45m21s
